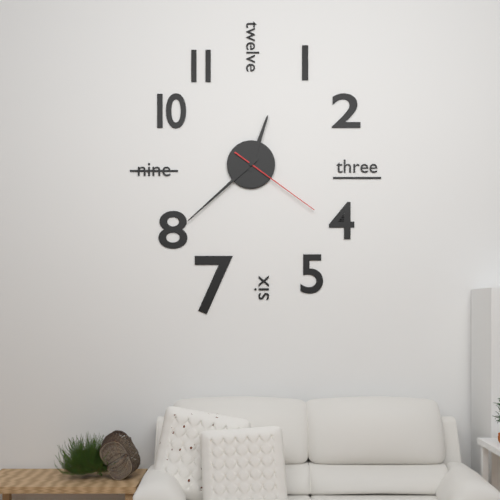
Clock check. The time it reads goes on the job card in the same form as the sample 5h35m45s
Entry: 12h38m21s
